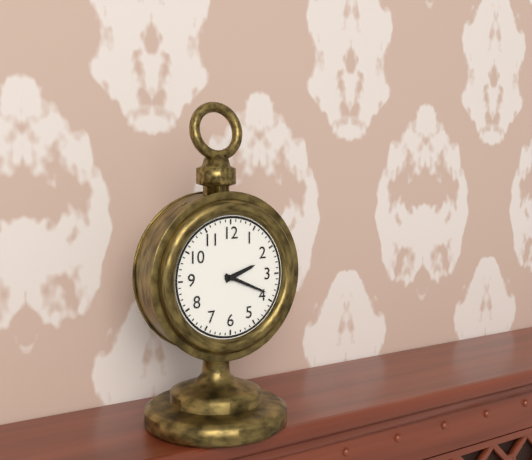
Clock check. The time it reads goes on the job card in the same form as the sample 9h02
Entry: 2h19
